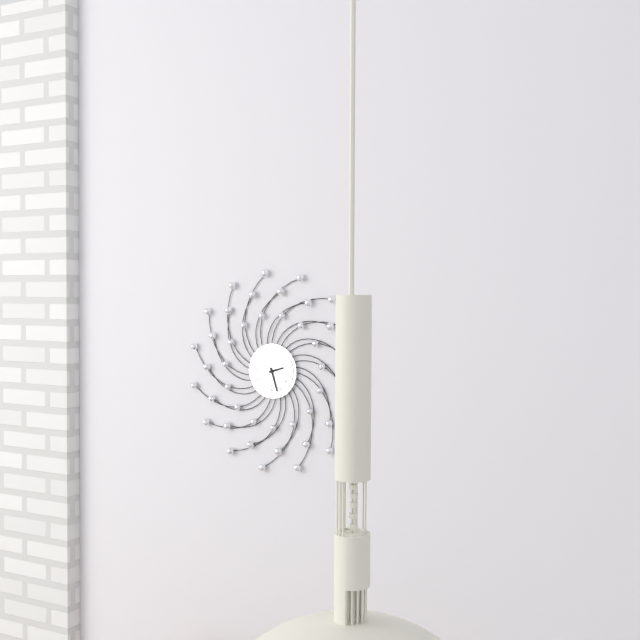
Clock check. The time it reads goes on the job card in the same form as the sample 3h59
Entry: 2h27
